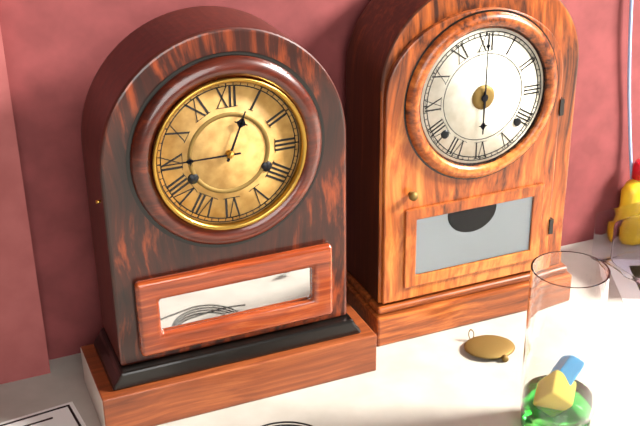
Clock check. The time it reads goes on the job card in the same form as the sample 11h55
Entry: 12h45
